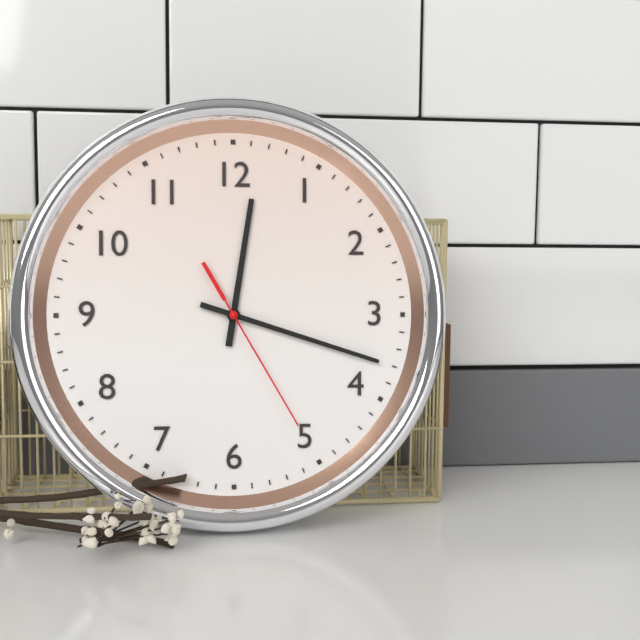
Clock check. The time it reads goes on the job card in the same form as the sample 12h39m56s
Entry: 12h18m25s
